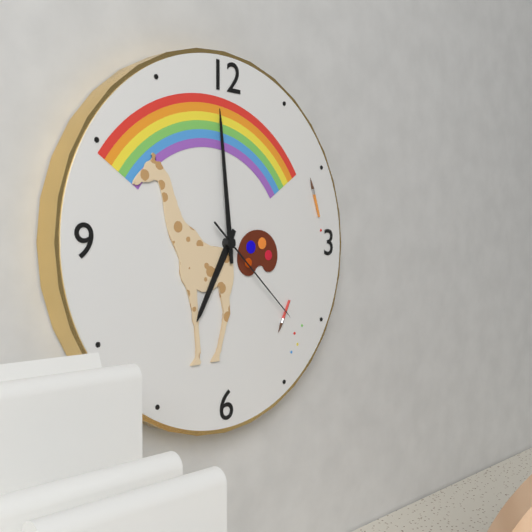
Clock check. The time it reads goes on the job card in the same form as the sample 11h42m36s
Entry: 6h59m22s
